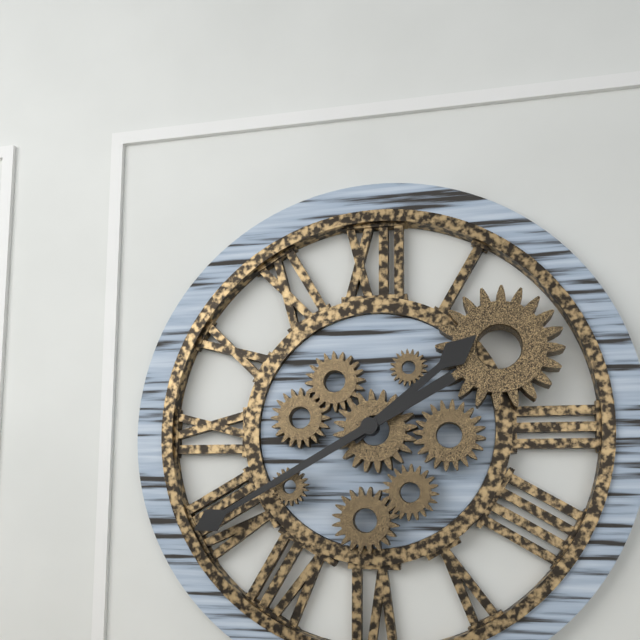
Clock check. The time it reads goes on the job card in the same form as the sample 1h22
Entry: 1h40
